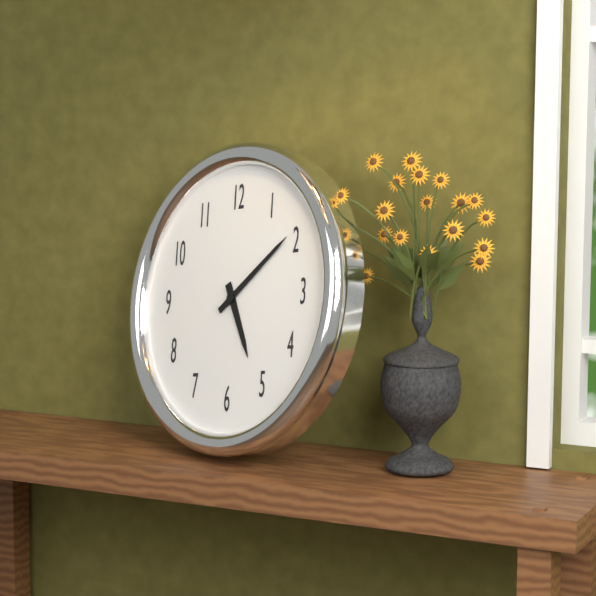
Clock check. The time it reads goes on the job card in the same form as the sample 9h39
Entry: 5h09
